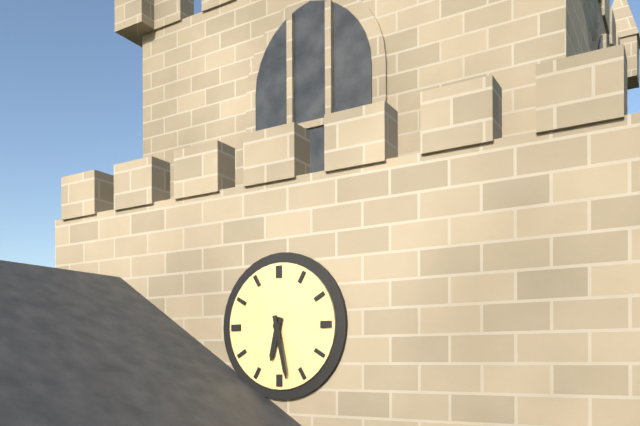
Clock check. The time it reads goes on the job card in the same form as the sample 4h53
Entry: 6h28
